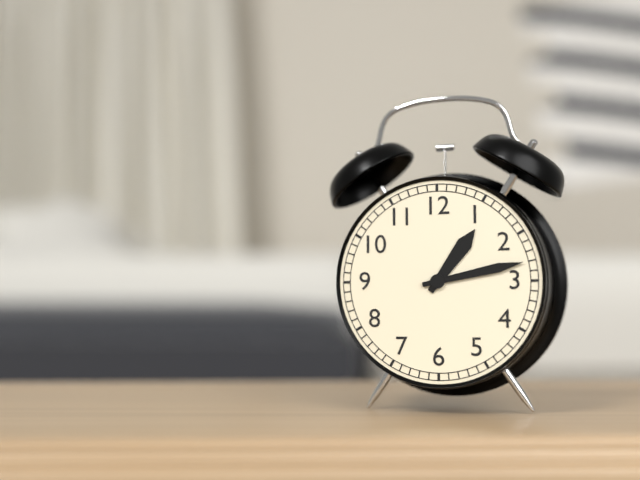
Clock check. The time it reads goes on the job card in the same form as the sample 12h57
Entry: 1h13
